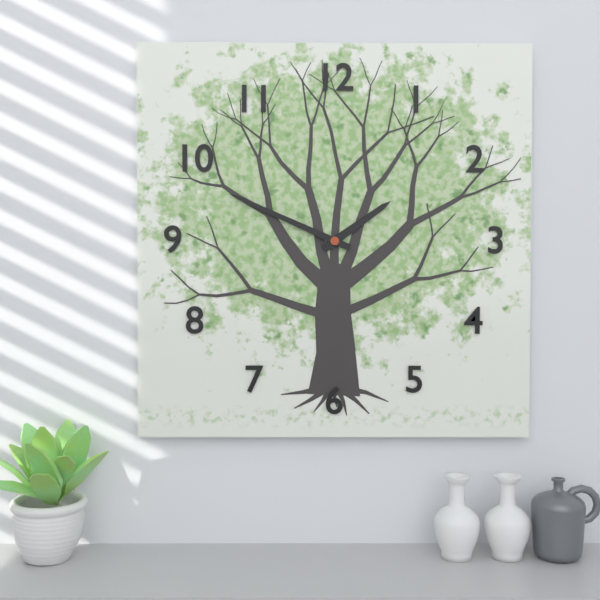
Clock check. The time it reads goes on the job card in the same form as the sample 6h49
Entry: 1h49
